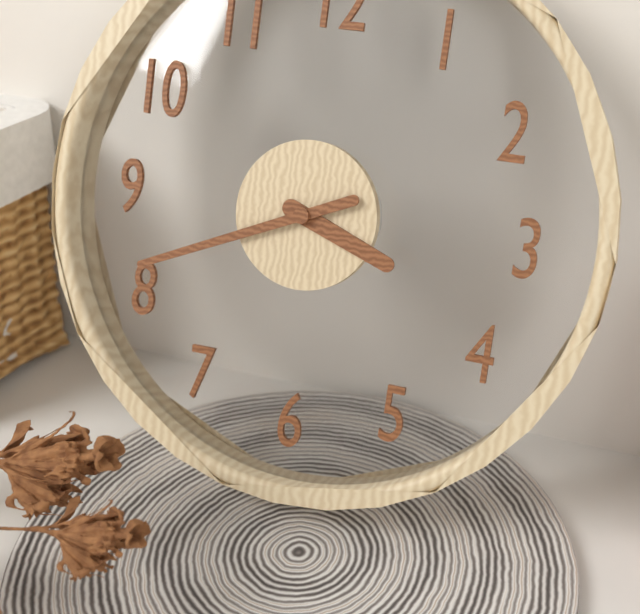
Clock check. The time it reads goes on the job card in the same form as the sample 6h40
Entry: 3h41
